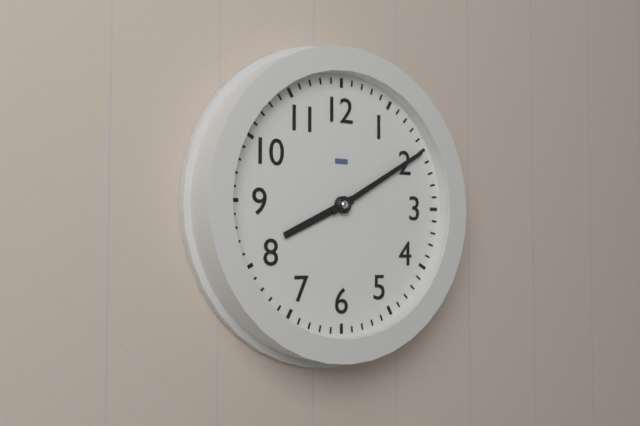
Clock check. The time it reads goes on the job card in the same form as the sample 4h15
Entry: 8h10
